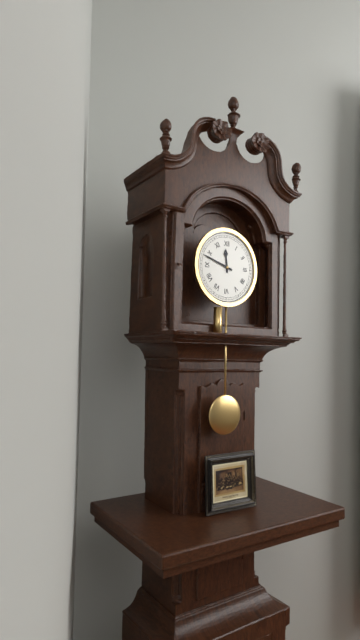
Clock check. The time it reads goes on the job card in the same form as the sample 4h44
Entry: 11h48
